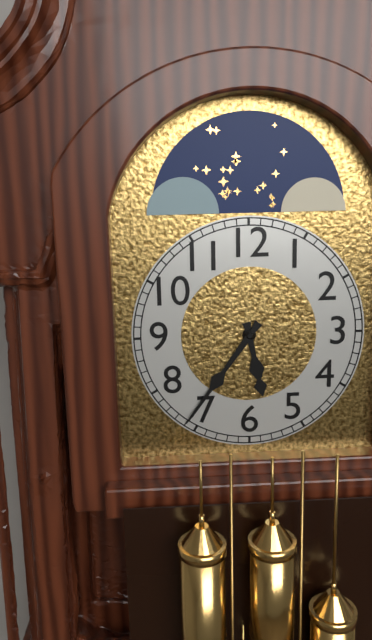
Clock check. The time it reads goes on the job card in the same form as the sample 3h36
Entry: 5h36
